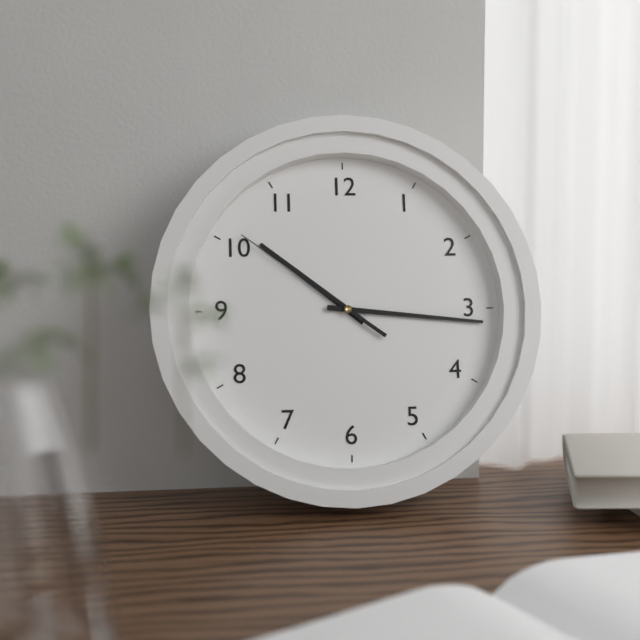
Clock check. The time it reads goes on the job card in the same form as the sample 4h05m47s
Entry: 10h16m51s
